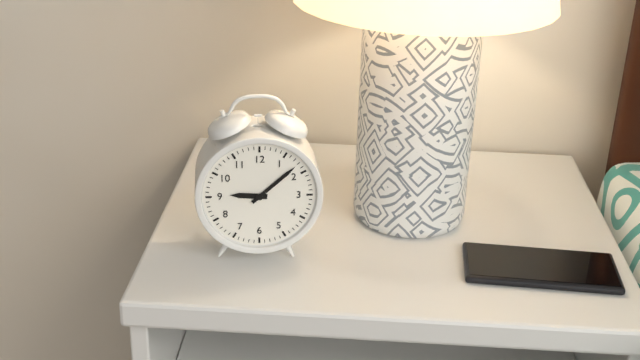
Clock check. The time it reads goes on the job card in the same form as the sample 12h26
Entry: 9h08
